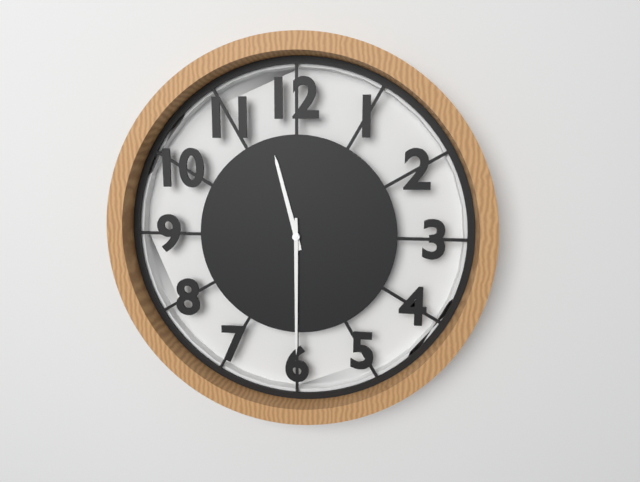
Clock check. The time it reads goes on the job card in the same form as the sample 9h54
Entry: 11h30
